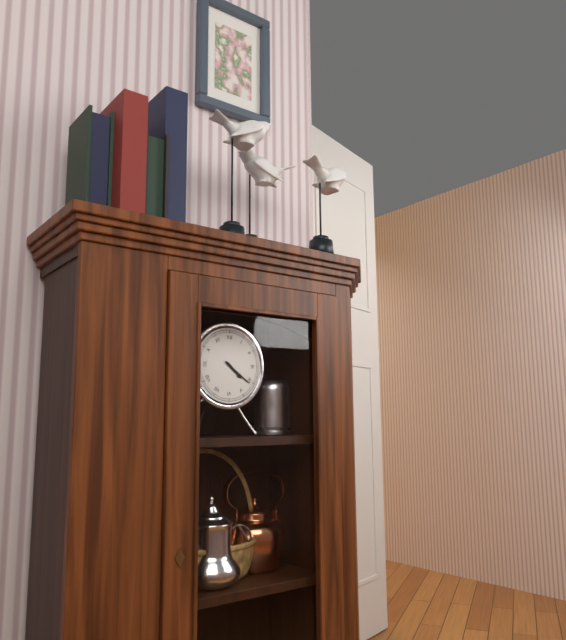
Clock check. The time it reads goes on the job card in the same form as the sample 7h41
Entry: 4h21
